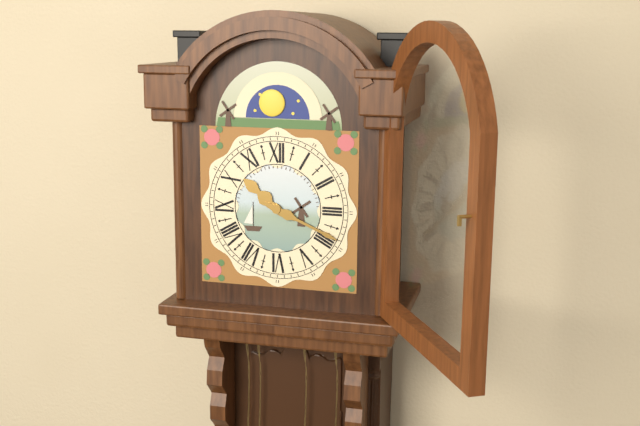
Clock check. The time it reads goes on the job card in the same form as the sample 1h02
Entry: 10h19
